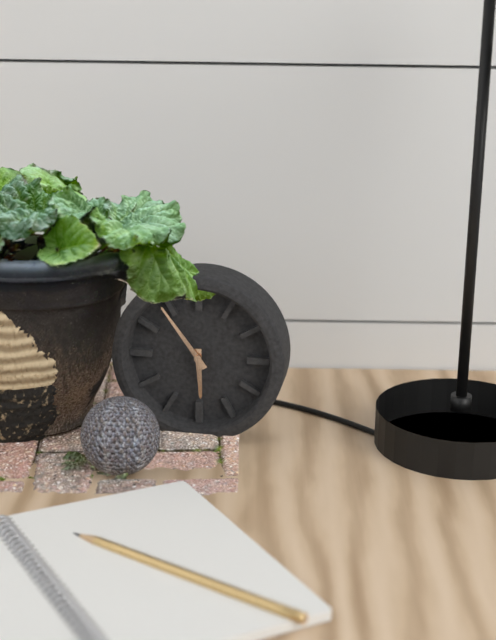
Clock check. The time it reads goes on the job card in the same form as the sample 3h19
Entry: 5h54
